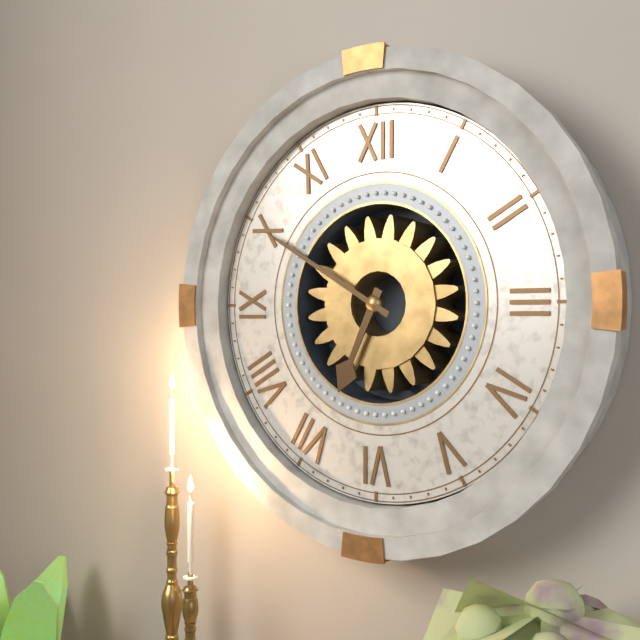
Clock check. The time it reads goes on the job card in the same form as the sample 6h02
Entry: 6h50
